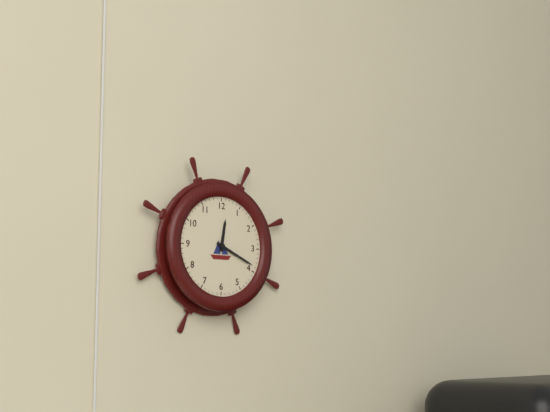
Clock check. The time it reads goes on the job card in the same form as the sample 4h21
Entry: 12h19
